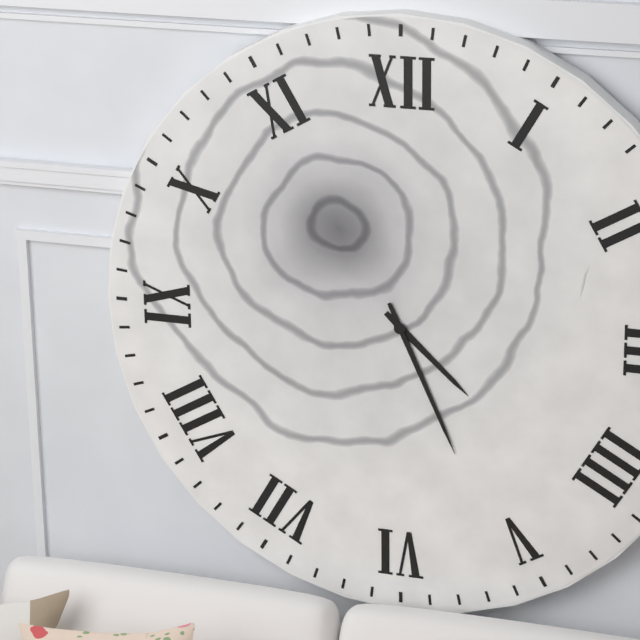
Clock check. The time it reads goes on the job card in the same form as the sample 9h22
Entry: 4h26
